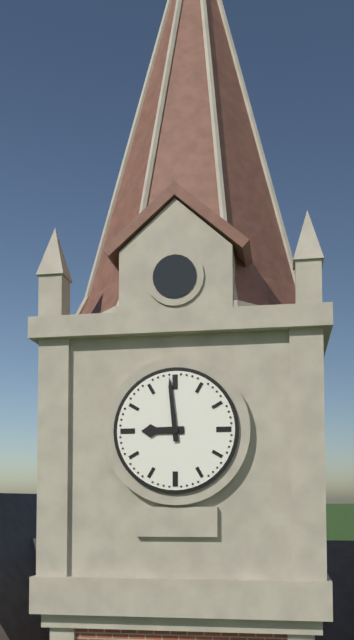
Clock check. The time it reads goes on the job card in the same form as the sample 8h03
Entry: 8h59
